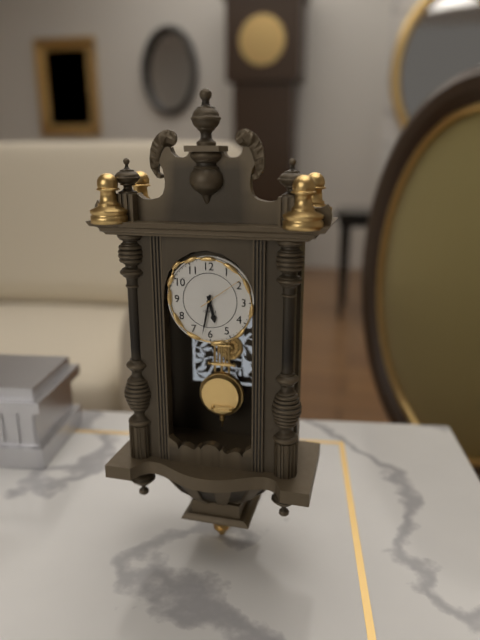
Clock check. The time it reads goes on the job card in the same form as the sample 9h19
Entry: 5h32
